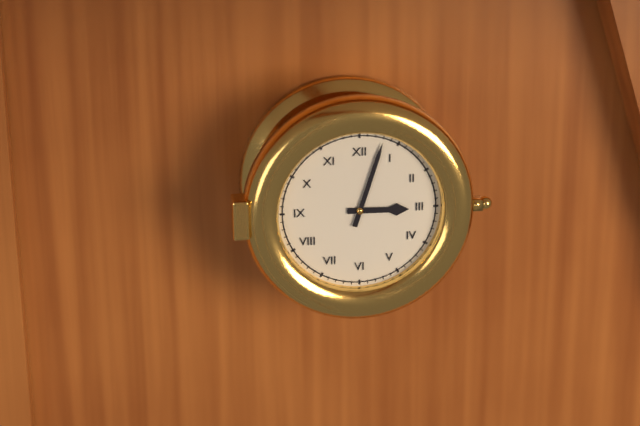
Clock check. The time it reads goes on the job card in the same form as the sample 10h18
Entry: 3h03
